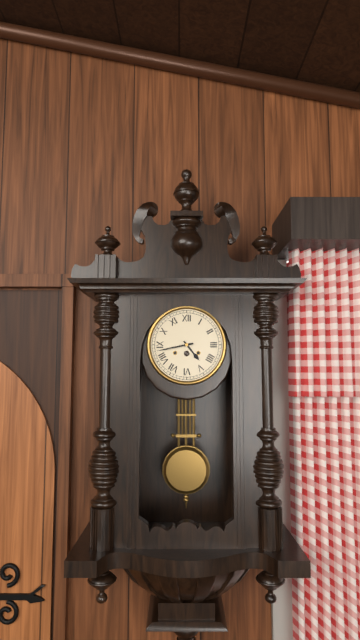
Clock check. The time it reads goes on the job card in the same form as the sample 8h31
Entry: 4h43
